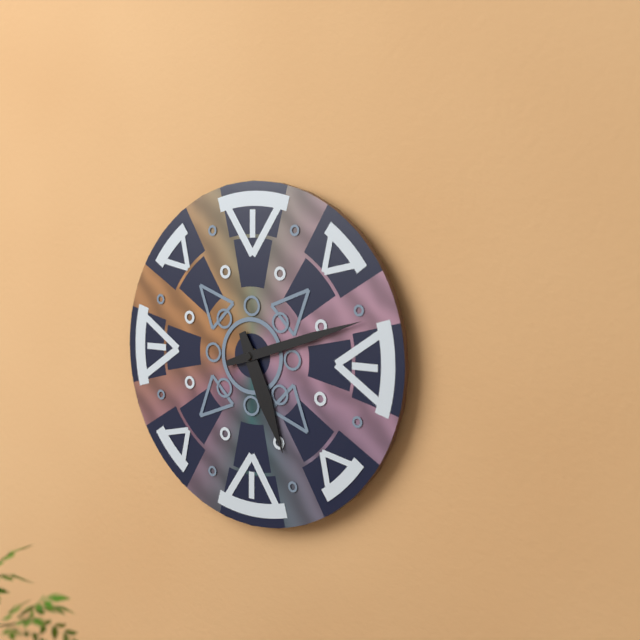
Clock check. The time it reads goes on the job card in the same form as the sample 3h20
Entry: 5h12
